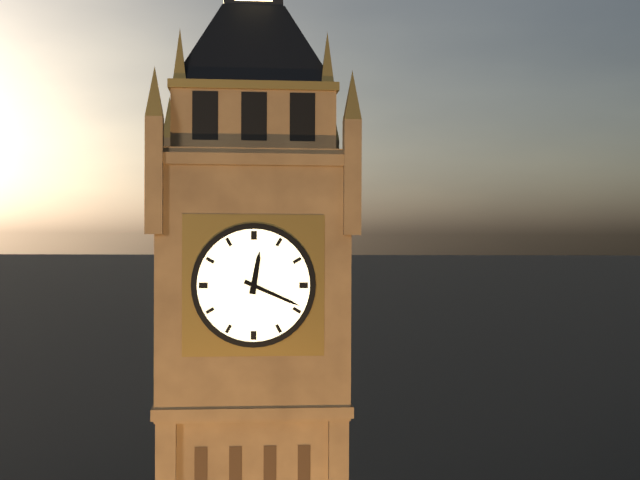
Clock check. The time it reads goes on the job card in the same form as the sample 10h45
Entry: 12h19
